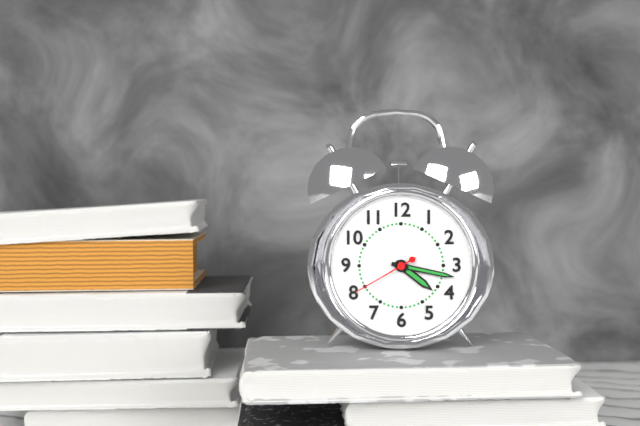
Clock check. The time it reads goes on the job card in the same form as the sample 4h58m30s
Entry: 4h17m40s
